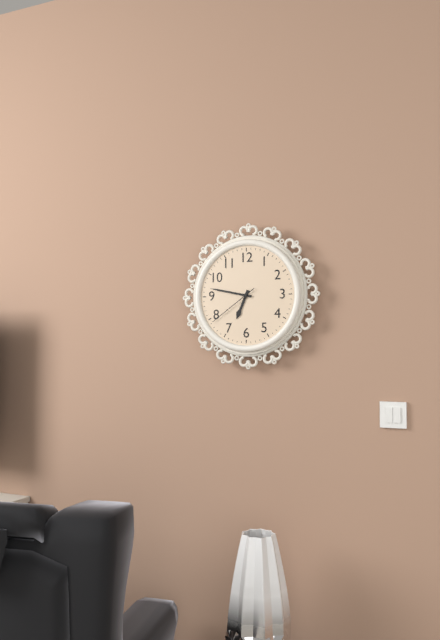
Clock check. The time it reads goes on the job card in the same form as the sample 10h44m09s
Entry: 6h47m39s
